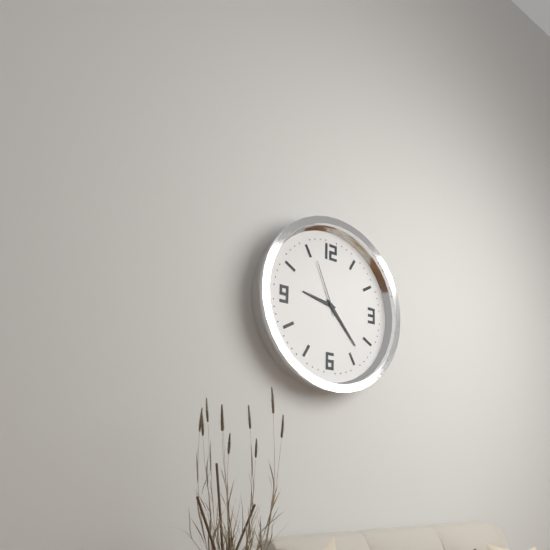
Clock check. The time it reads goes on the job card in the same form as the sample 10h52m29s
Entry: 9h23m56s
